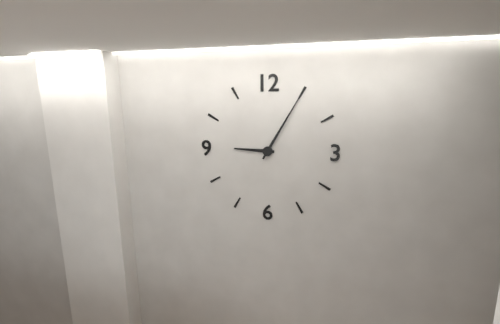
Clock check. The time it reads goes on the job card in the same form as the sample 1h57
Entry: 9h05
